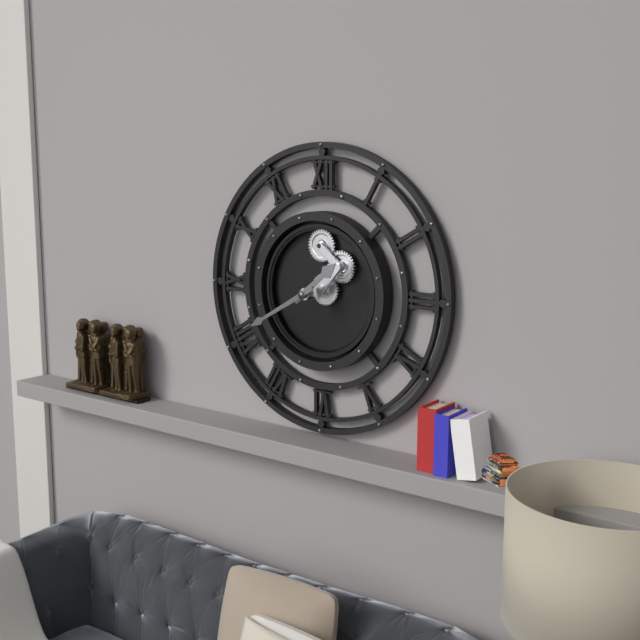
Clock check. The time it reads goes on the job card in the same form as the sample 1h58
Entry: 1h40
